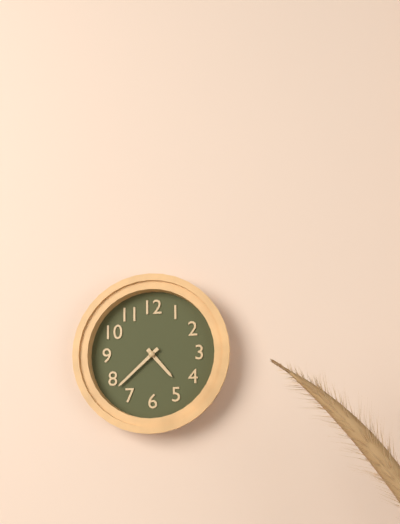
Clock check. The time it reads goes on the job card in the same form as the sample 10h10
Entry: 4h38
